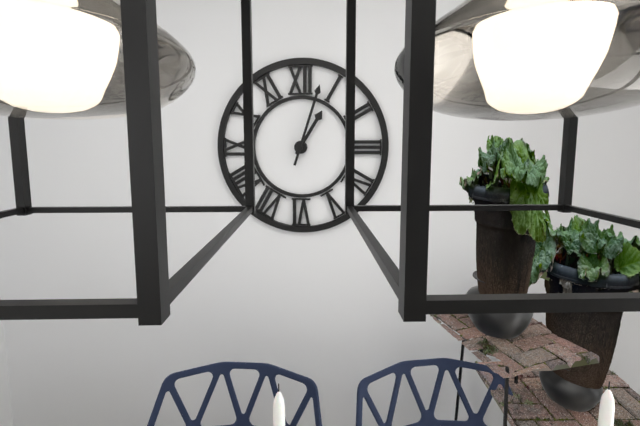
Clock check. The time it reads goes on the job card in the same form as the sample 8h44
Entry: 1h03
